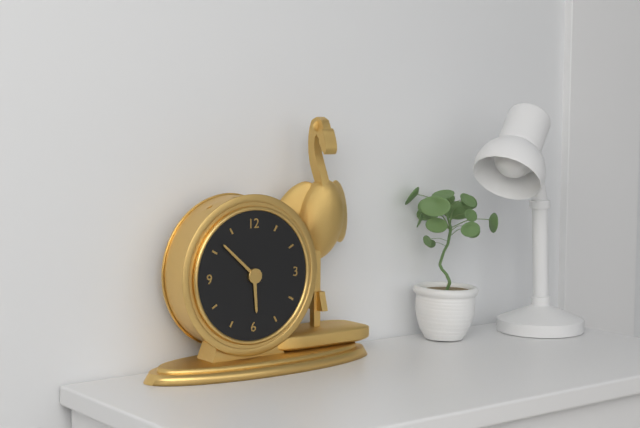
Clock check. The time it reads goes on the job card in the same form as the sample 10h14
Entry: 5h52
